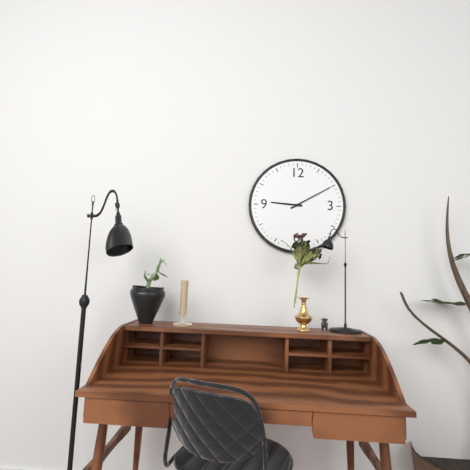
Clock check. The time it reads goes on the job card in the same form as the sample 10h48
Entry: 9h10
